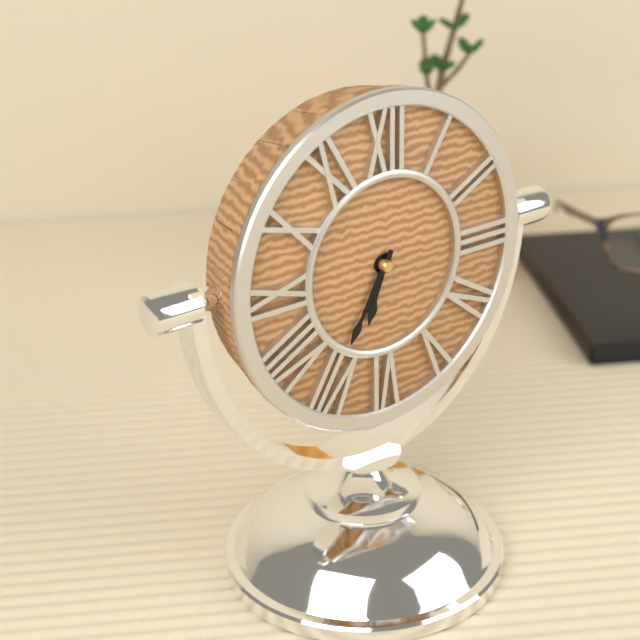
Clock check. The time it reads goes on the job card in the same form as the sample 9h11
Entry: 6h35
